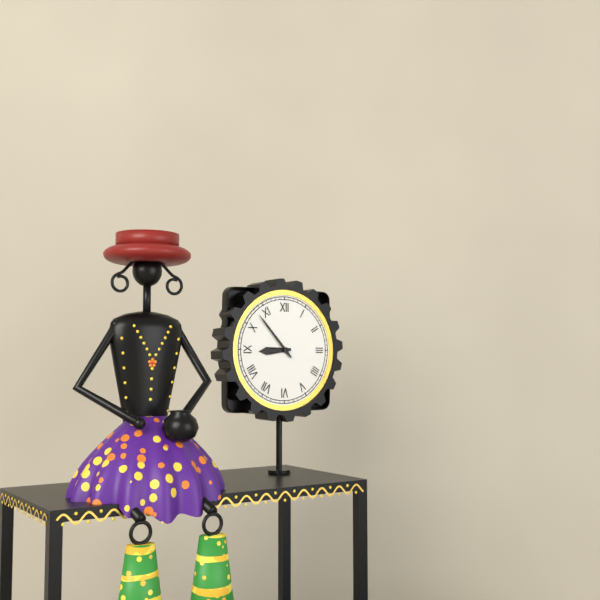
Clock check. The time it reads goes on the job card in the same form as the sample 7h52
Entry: 8h53
